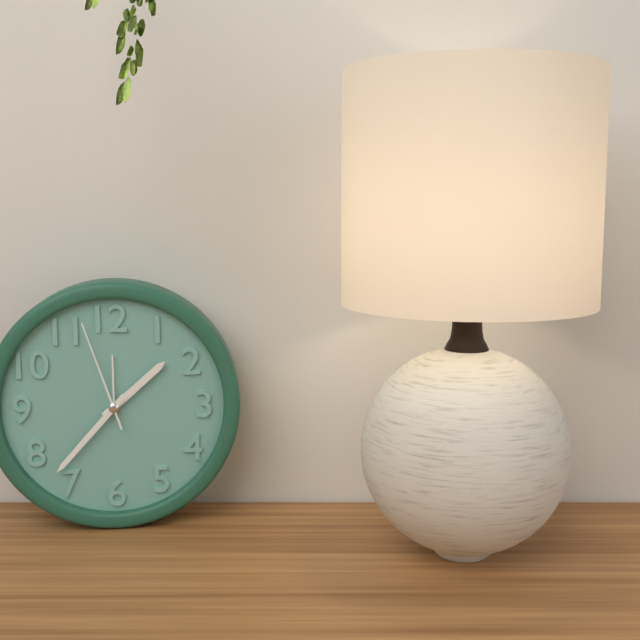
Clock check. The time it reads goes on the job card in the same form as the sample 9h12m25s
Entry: 1h37m57s
